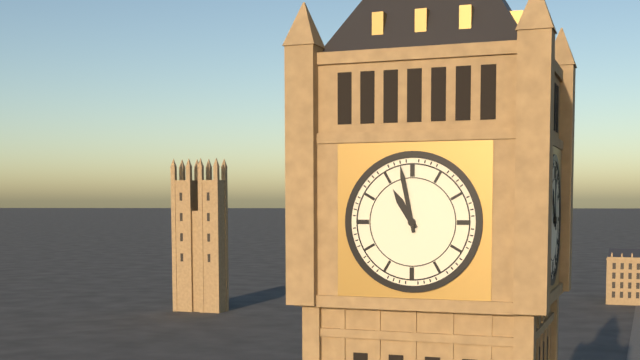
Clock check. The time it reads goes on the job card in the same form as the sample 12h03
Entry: 10h58
